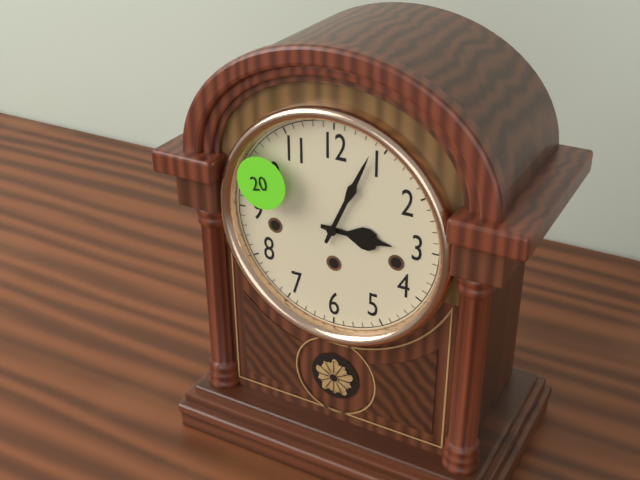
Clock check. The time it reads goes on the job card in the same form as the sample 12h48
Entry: 3h04
